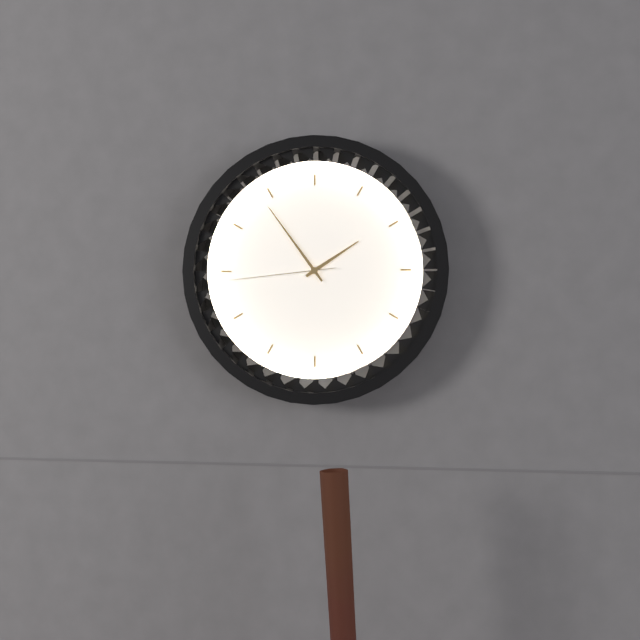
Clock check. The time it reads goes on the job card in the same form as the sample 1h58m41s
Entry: 1h54m44s
